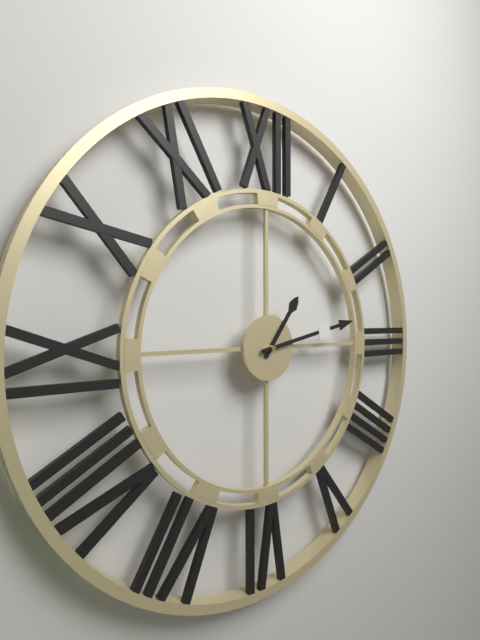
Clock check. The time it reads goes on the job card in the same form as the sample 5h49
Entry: 1h13
